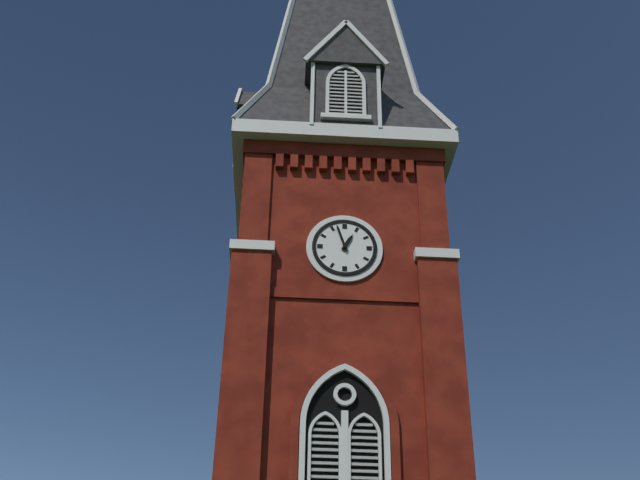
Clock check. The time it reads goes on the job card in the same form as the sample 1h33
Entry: 12h57
